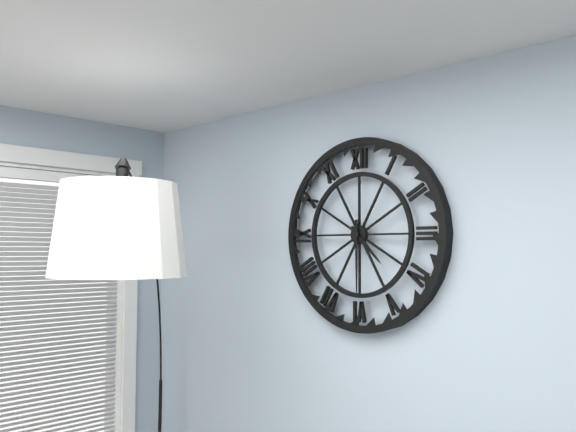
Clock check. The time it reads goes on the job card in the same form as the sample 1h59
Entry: 4h30
